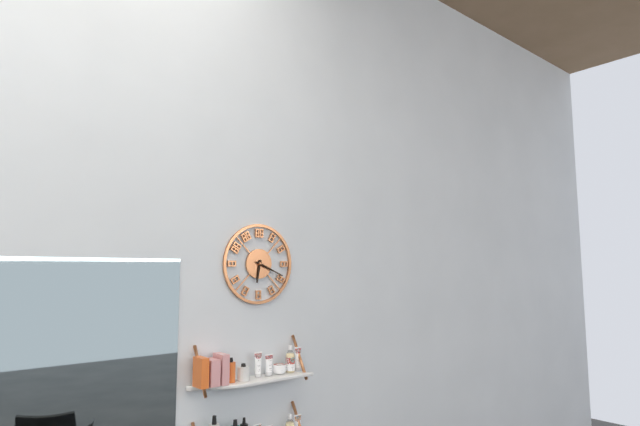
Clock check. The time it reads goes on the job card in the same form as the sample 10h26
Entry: 6h19
